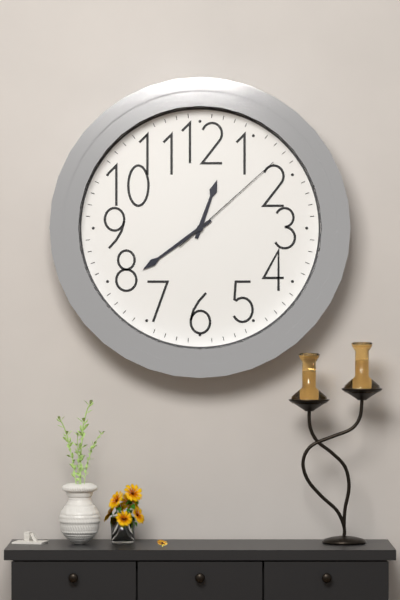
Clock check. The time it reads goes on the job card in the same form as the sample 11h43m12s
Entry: 12h39m08s
